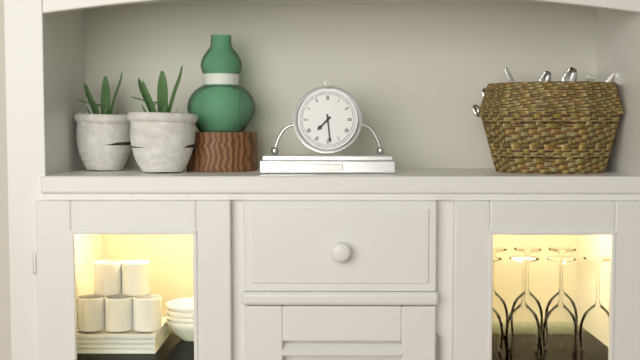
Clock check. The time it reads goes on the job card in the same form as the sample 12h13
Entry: 7h29
